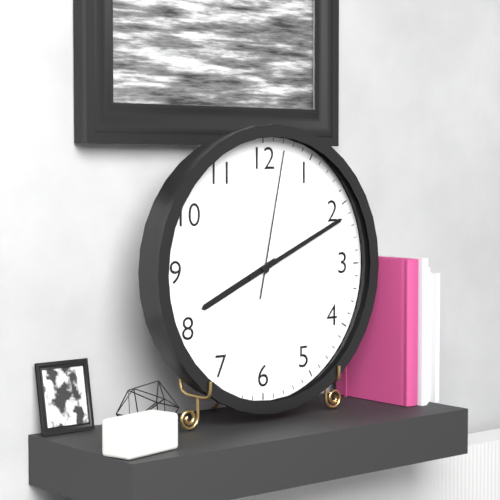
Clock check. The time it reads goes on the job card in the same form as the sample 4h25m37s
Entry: 8h11m02s
